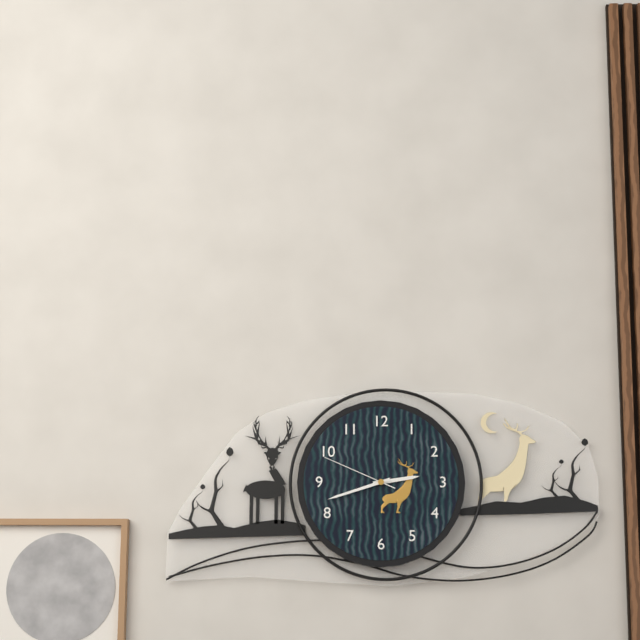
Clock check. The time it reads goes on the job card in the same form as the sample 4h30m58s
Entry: 2h42m49s
